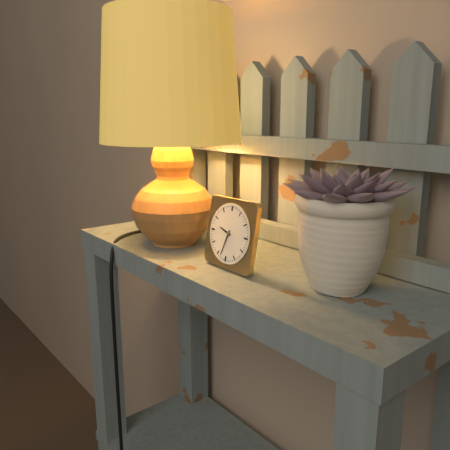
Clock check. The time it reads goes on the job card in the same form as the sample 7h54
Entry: 9h33
